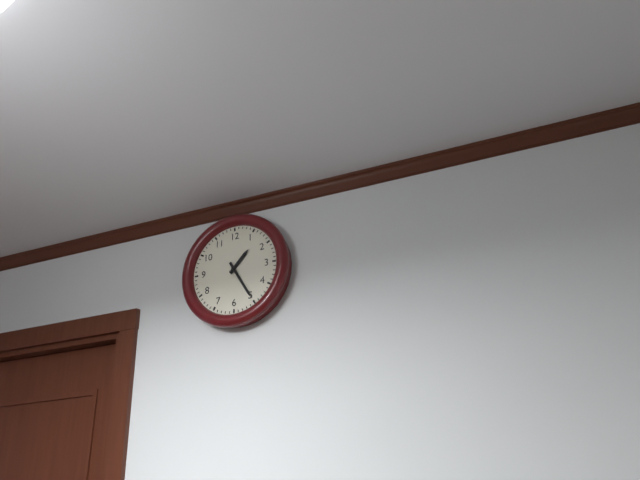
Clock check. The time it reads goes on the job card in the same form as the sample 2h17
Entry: 1h25
